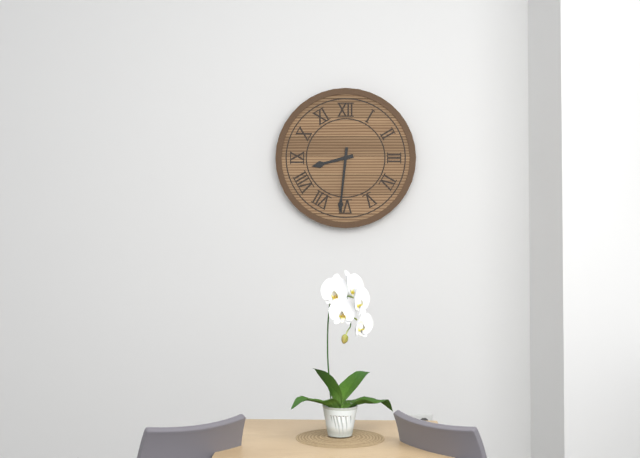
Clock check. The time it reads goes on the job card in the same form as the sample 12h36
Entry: 8h31
